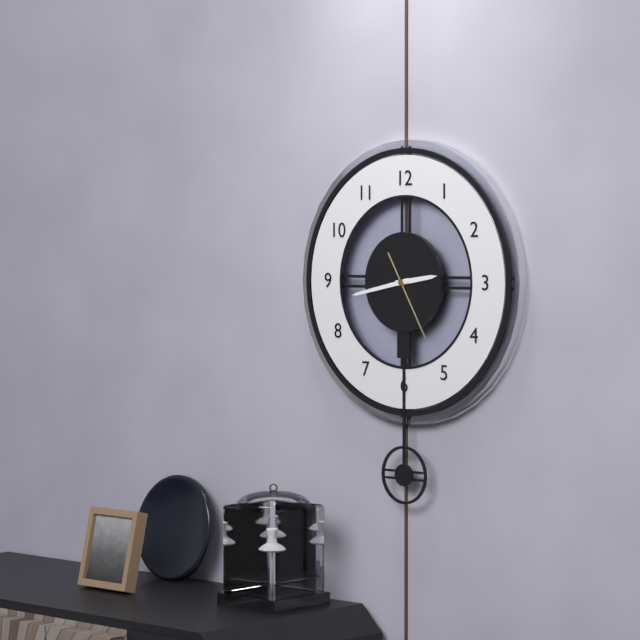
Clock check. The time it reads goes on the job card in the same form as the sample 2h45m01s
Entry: 2h43m25s
